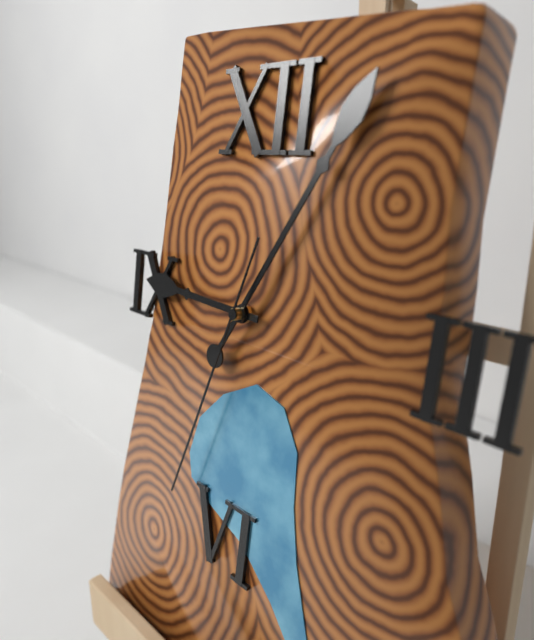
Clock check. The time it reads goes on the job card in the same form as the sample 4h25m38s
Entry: 9h05m33s
